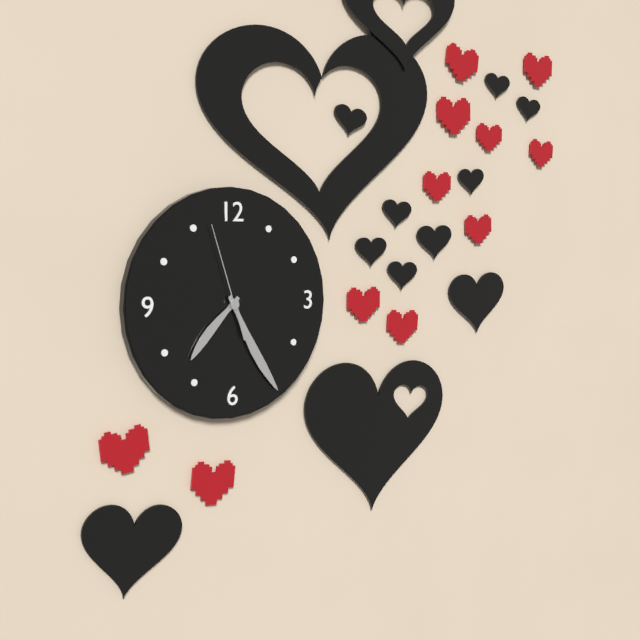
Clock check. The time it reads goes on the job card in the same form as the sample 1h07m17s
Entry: 7h25m57s
